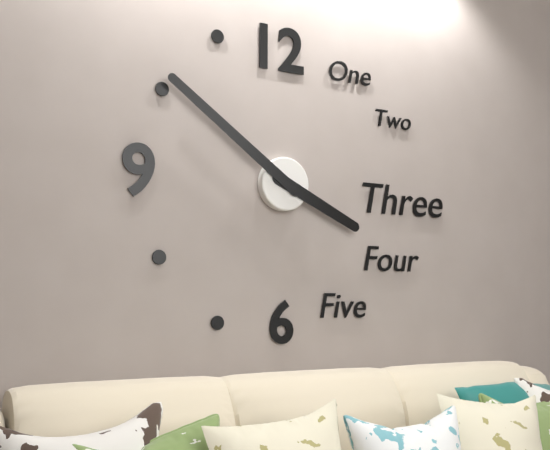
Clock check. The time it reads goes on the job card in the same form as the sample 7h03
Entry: 3h51
